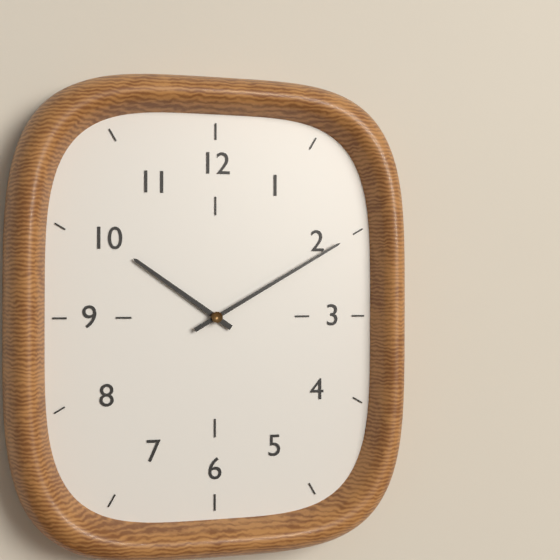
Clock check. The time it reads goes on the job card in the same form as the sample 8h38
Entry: 10h10
